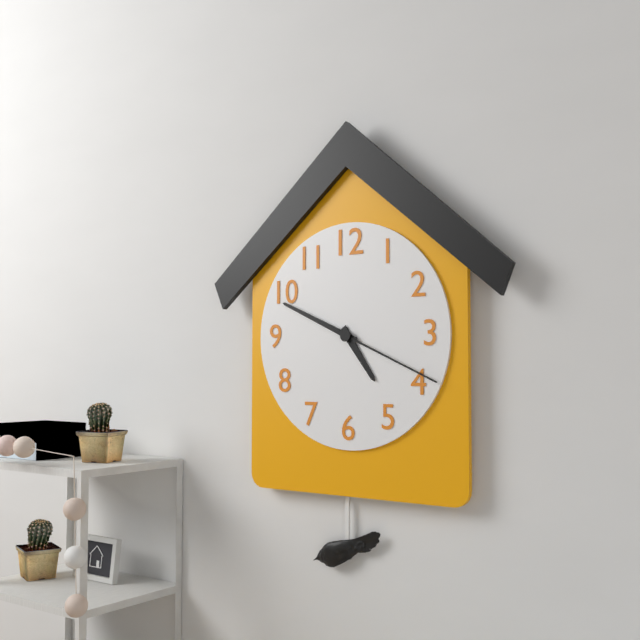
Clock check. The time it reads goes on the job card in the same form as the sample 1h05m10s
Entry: 4h49m19s
